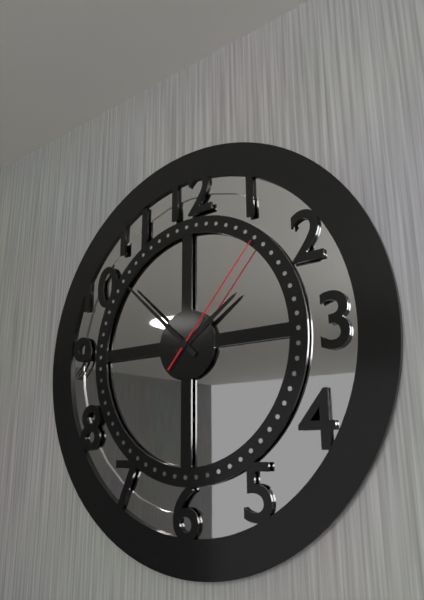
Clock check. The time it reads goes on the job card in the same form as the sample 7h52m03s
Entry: 1h52m07s
